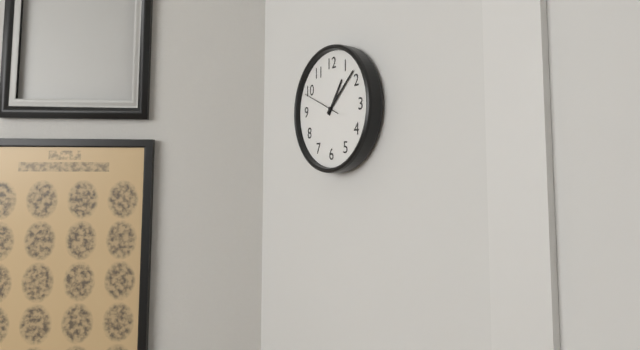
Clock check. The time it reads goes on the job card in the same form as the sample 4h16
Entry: 1h08
